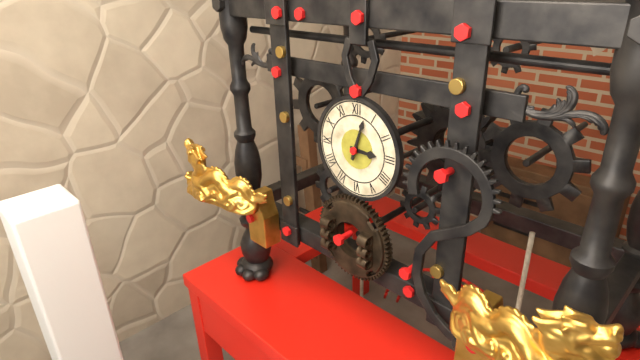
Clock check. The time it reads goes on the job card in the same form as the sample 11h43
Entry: 3h03
